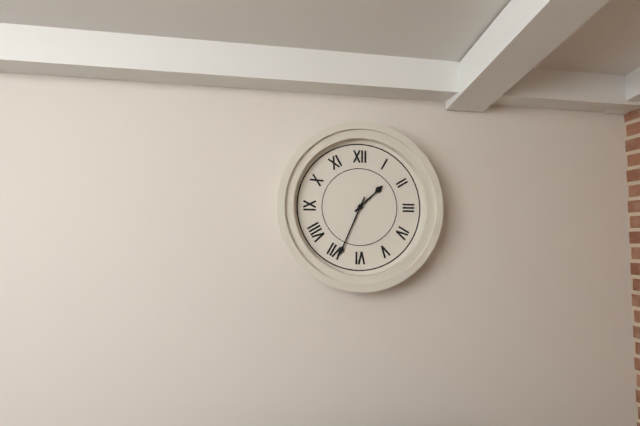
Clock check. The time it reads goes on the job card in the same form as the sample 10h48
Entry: 1h34
